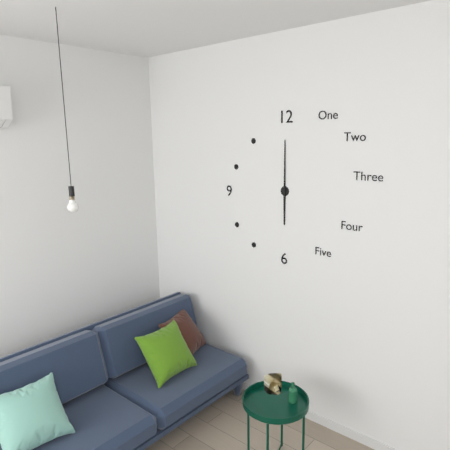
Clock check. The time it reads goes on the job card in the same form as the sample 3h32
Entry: 6h00
